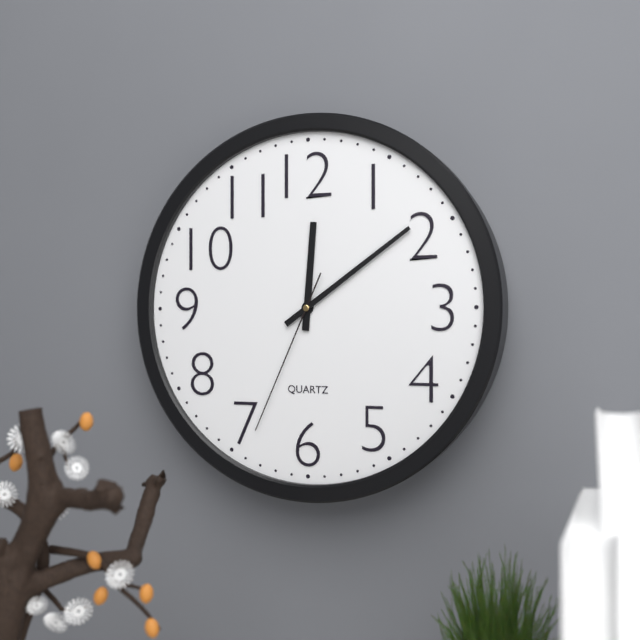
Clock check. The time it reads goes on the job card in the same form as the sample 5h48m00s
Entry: 12h09m34s
